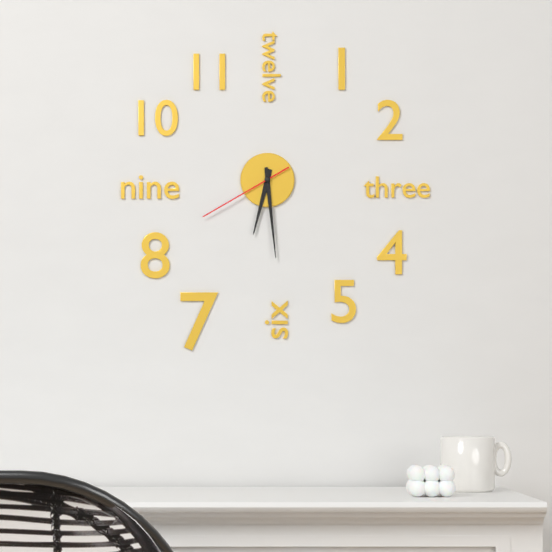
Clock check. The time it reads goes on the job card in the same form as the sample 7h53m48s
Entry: 6h29m40s
